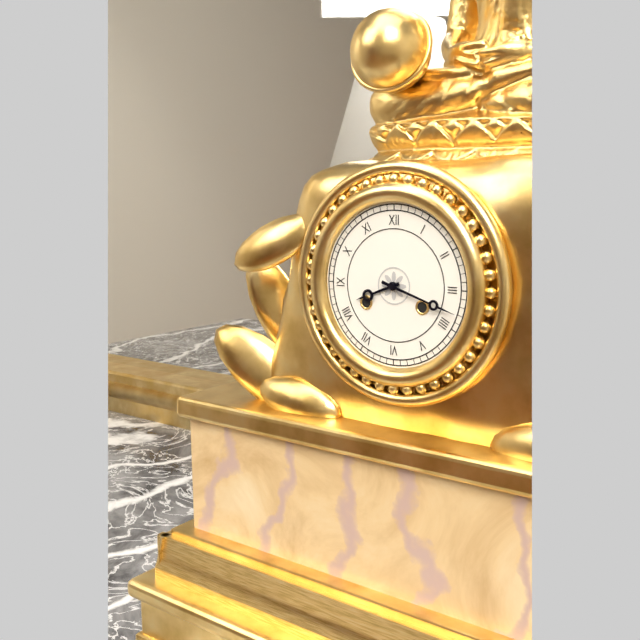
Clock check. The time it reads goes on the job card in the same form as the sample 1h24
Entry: 8h18
